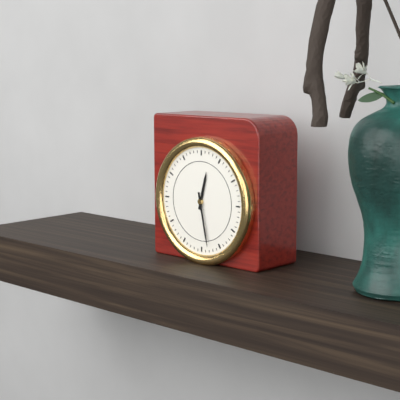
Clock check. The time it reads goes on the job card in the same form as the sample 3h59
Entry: 12h28
